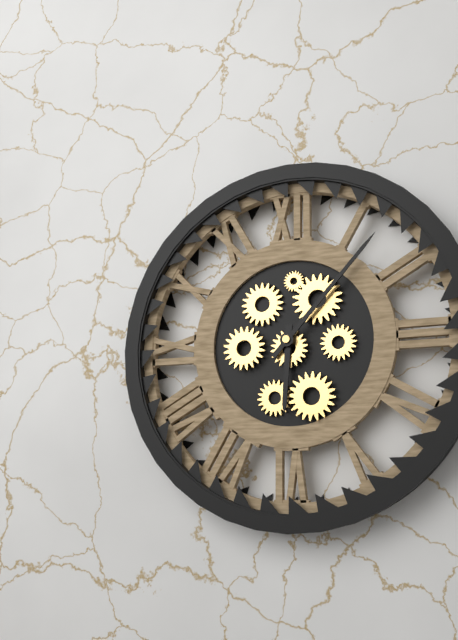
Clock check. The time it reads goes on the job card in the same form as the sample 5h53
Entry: 6h07
